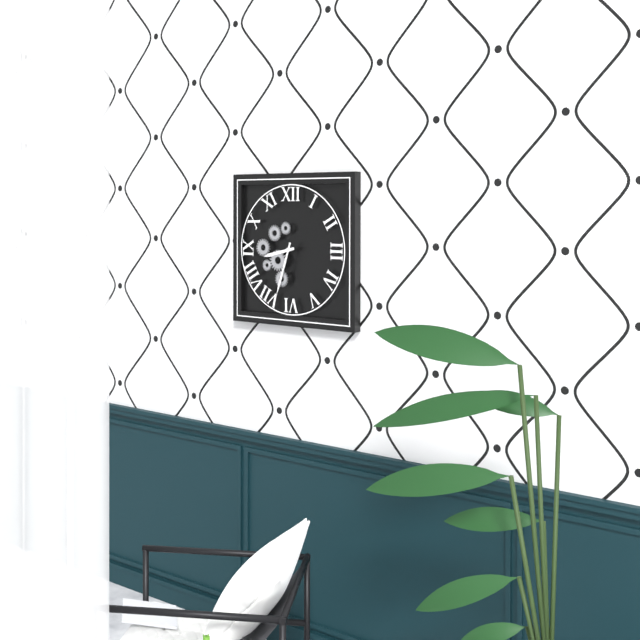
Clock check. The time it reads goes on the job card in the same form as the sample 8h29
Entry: 8h33
